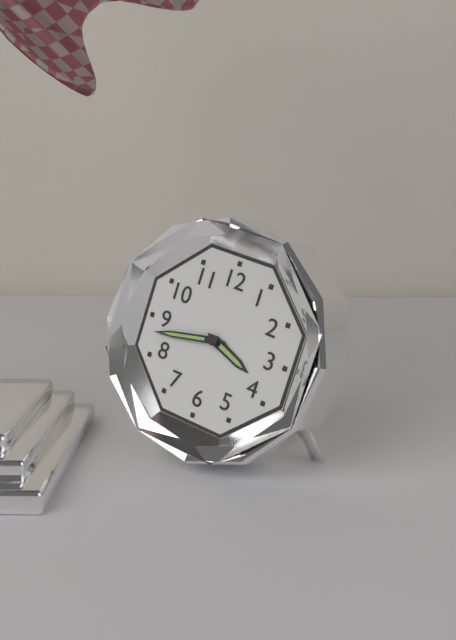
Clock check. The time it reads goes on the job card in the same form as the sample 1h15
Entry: 3h43
